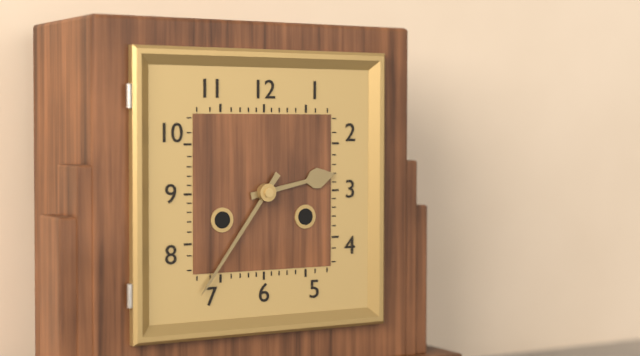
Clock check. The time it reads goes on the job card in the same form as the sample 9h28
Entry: 2h36
